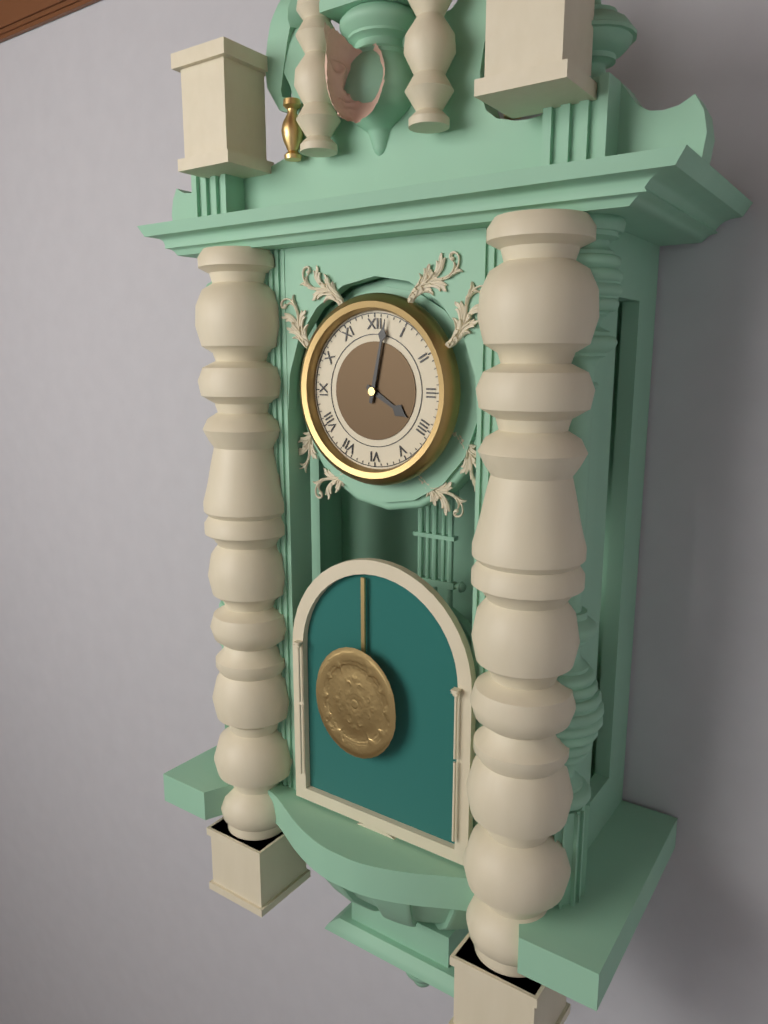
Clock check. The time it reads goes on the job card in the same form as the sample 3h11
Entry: 4h02
